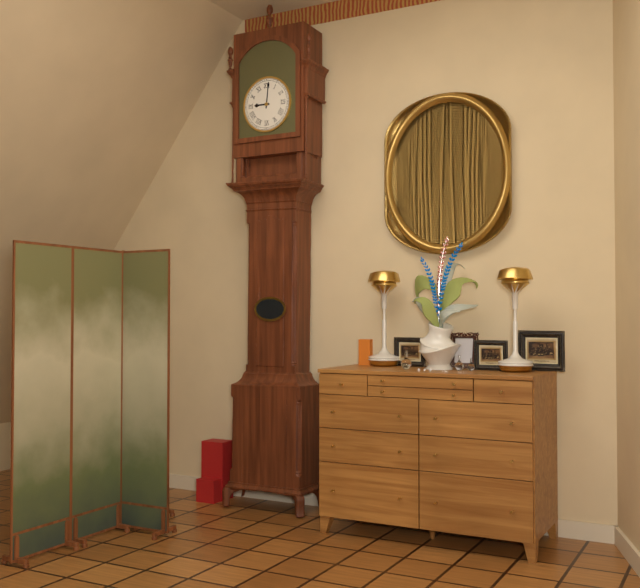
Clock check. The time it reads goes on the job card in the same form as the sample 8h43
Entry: 9h01
